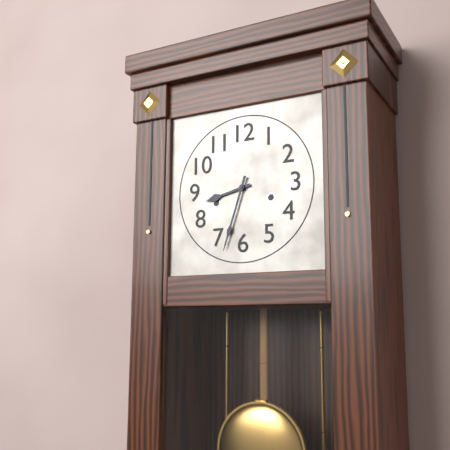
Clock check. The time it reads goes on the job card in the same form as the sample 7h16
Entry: 8h33
